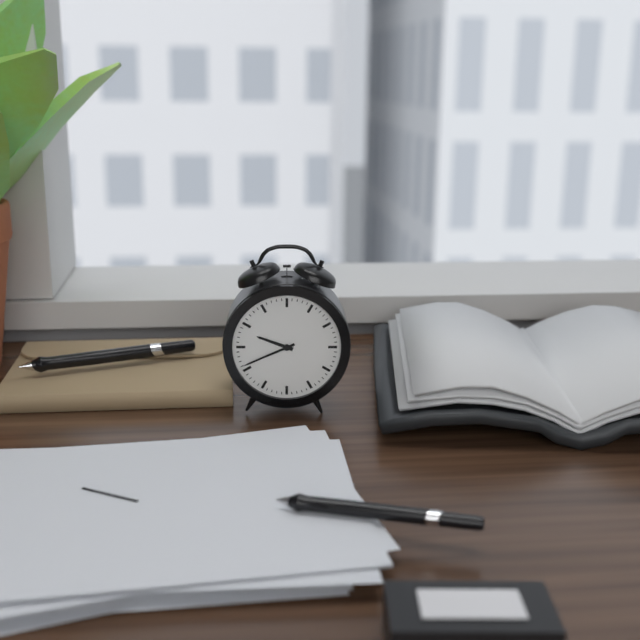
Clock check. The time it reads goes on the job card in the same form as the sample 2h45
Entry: 9h41
